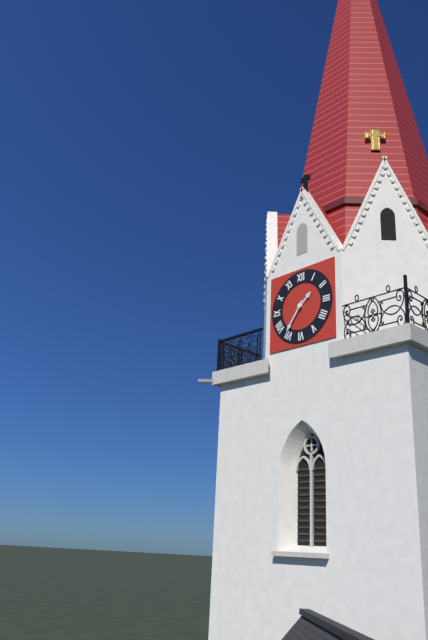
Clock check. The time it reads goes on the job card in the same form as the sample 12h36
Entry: 1h36
